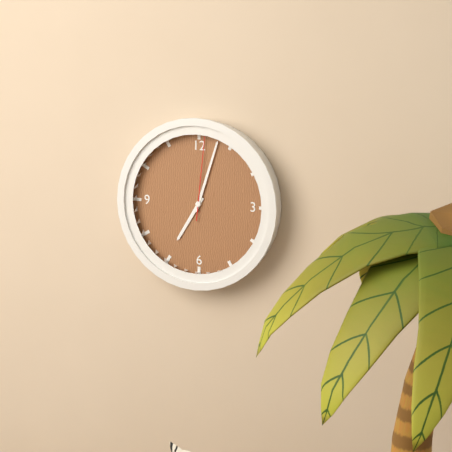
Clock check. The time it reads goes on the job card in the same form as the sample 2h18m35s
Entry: 7h03m01s
